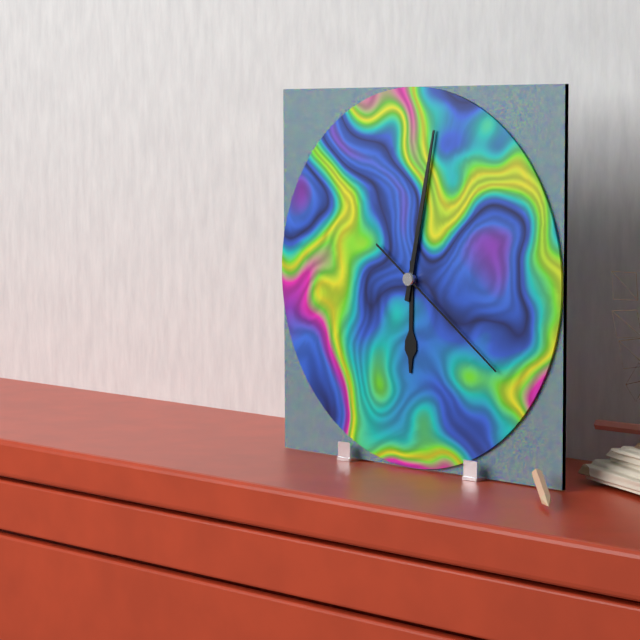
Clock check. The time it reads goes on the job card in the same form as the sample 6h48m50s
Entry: 6h02m21s
